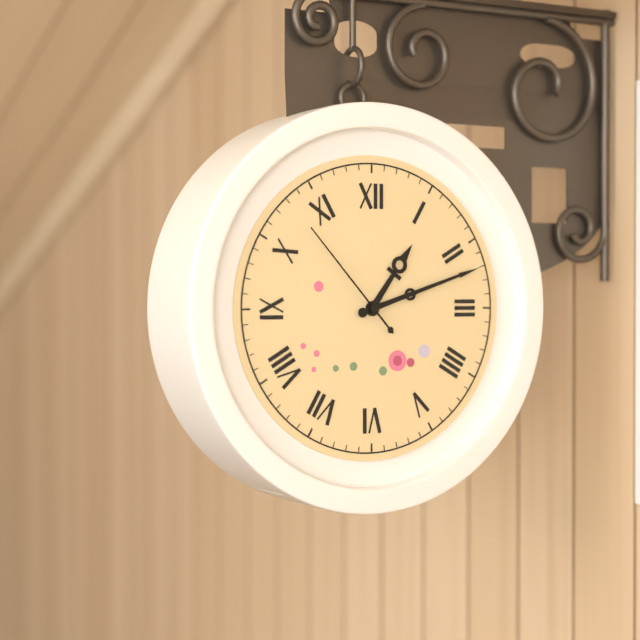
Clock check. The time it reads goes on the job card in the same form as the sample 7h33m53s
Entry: 1h12m53s
